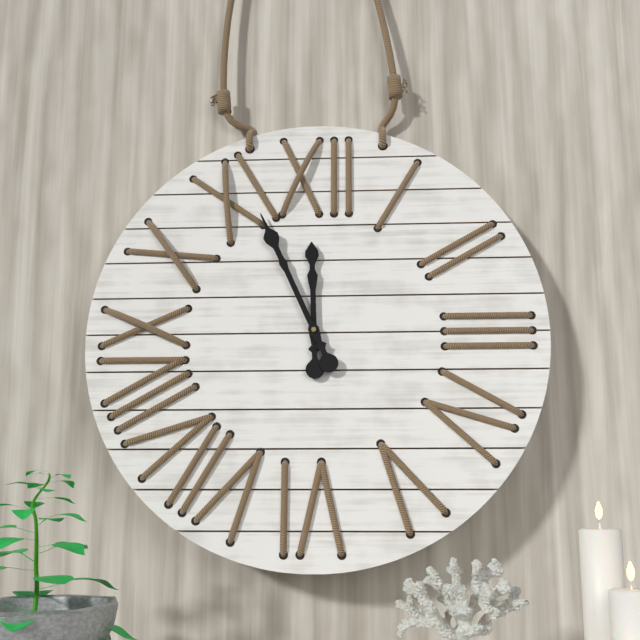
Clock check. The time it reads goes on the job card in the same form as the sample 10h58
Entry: 11h56
